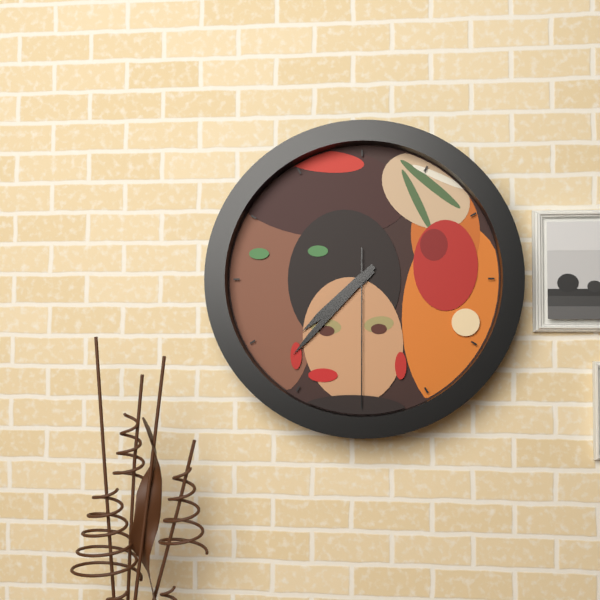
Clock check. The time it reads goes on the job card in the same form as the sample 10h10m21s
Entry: 7h37m30s
